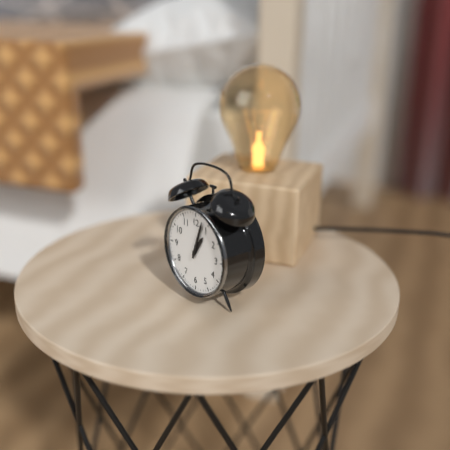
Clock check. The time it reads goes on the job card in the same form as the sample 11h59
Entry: 1h03
